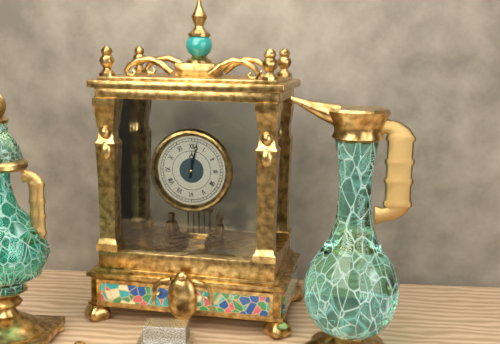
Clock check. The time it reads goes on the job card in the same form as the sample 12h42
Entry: 12h02
